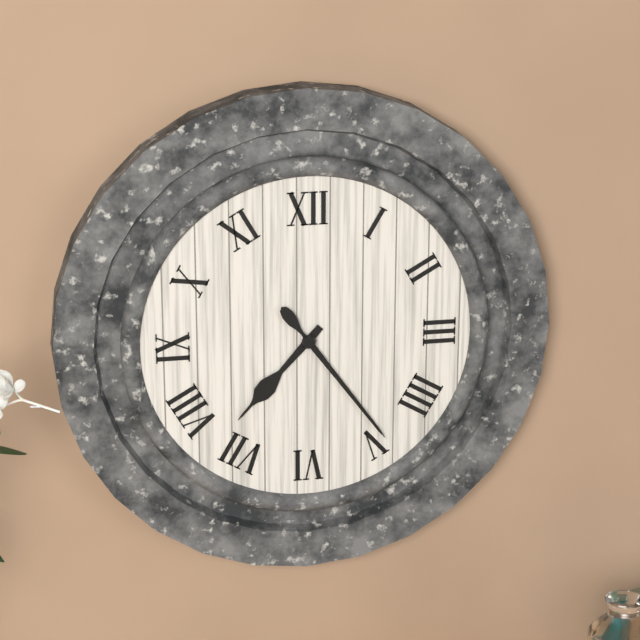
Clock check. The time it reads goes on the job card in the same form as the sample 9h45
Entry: 7h24
